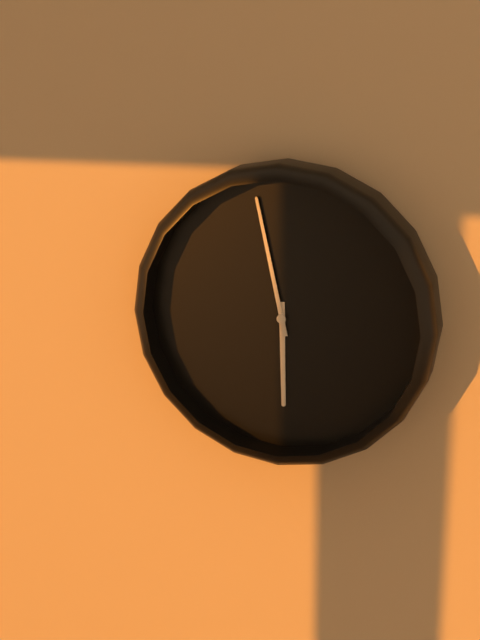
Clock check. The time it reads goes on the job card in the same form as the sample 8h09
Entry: 5h58
